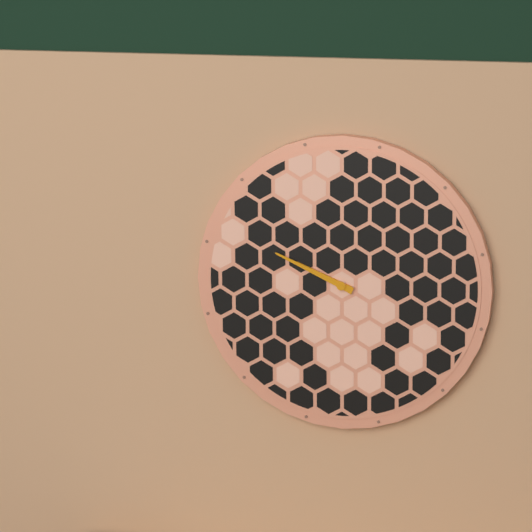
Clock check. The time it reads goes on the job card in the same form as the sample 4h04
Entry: 9h49
